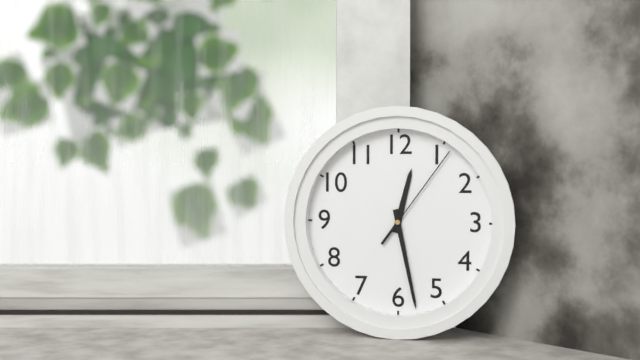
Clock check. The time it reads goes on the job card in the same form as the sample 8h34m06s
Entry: 12h28m06s
